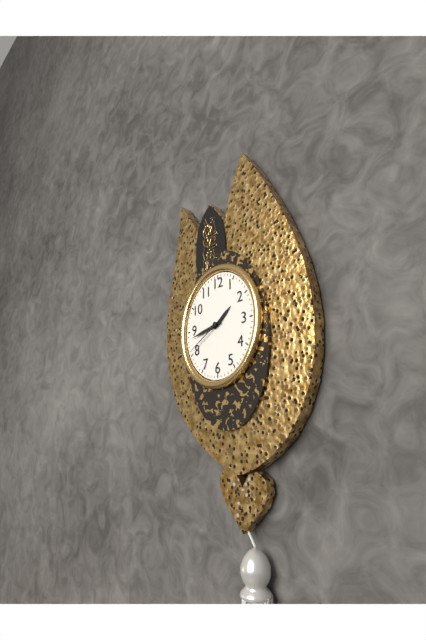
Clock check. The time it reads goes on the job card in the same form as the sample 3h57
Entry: 1h43
